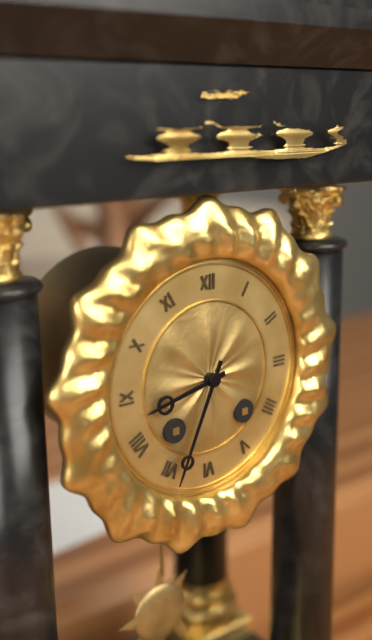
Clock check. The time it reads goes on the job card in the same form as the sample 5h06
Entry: 8h34
